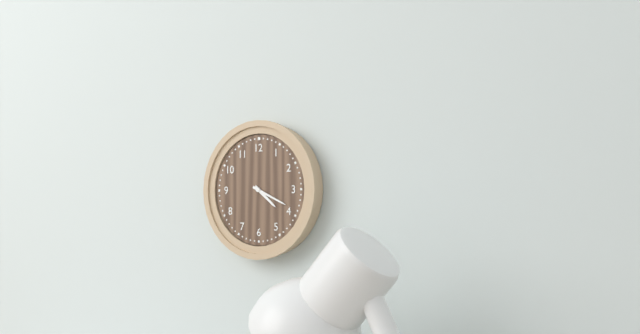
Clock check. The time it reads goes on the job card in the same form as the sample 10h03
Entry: 4h19
